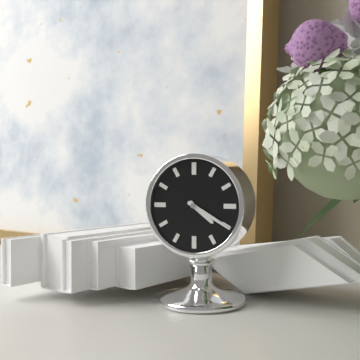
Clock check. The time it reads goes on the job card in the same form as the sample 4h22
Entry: 4h20
